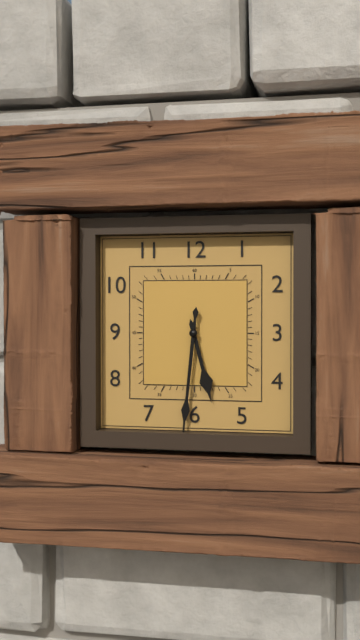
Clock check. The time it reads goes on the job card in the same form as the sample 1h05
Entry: 5h31
